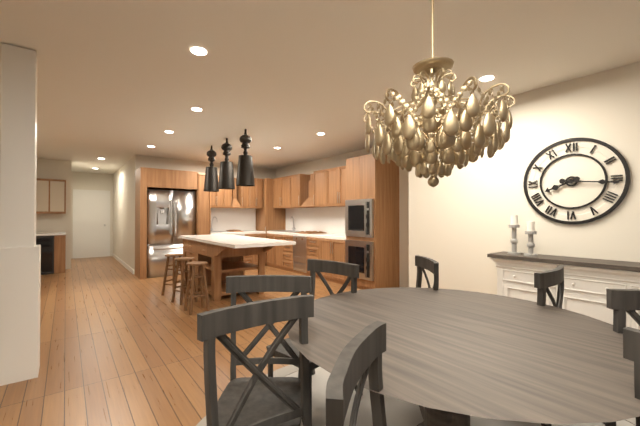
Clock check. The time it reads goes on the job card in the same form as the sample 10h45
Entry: 8h16
